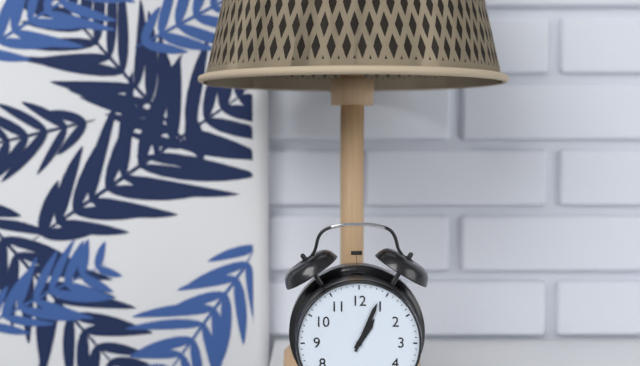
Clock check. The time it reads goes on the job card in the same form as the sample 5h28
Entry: 1h04
